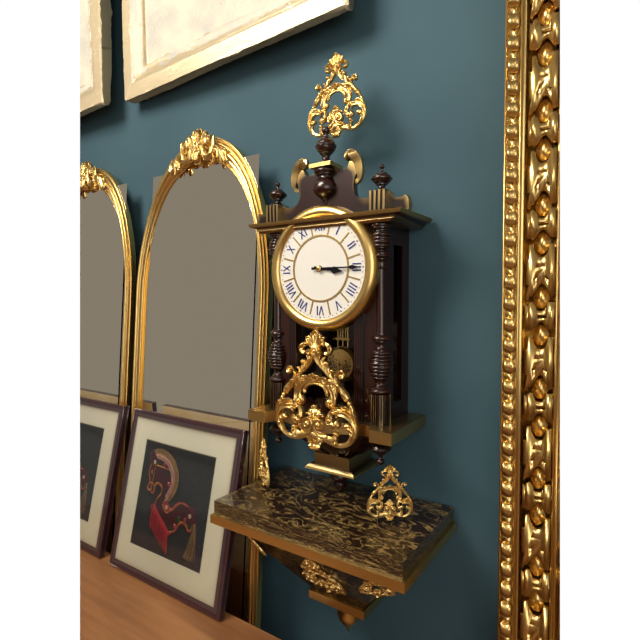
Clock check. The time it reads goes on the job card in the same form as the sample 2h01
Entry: 3h15
